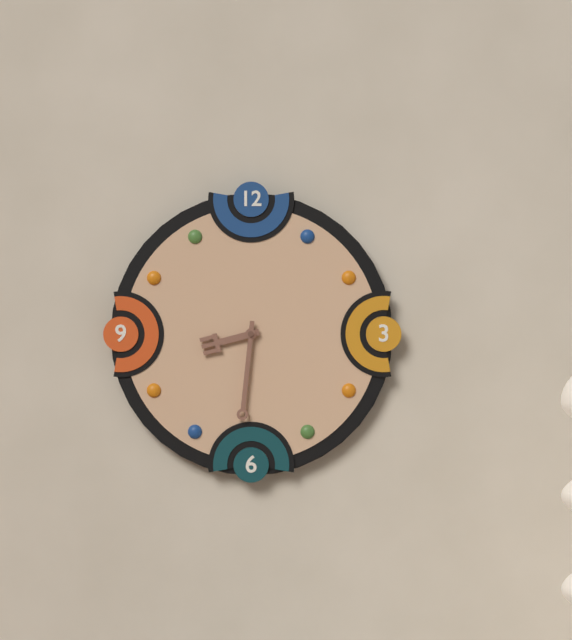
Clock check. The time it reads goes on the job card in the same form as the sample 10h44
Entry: 8h31
